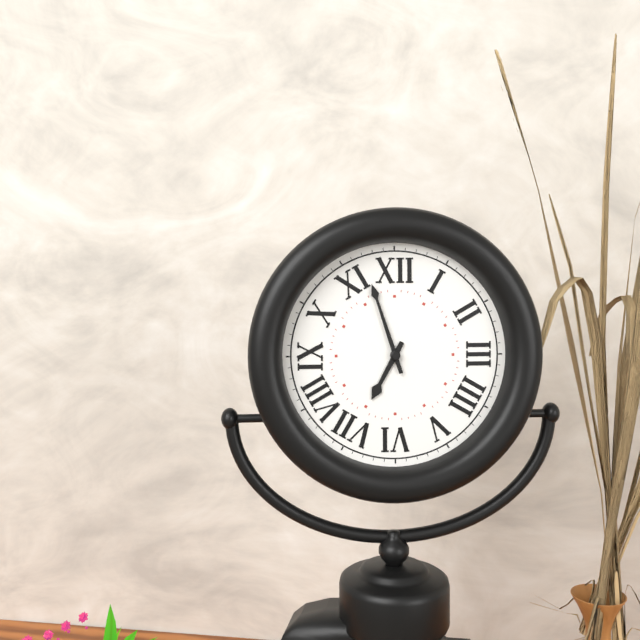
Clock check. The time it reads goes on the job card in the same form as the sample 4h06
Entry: 6h57
